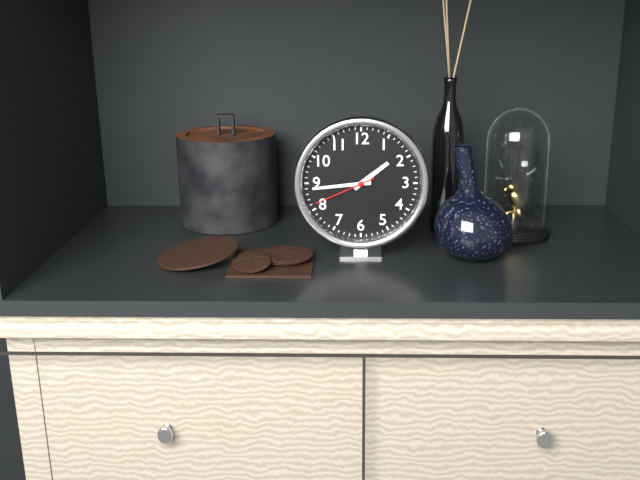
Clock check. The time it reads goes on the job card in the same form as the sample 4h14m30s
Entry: 1h44m41s
